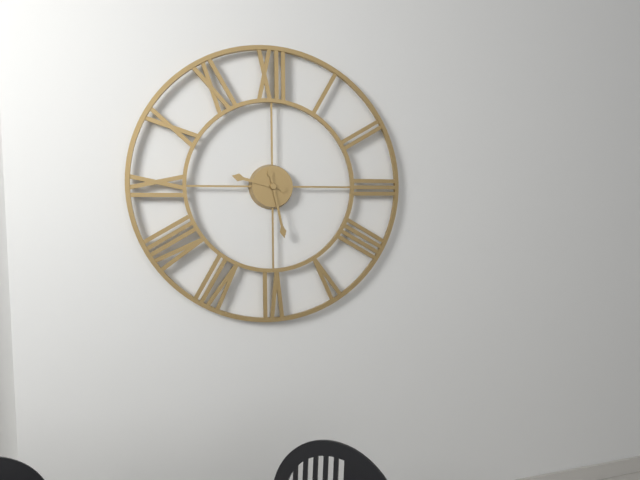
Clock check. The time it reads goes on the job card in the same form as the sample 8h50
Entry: 9h28
